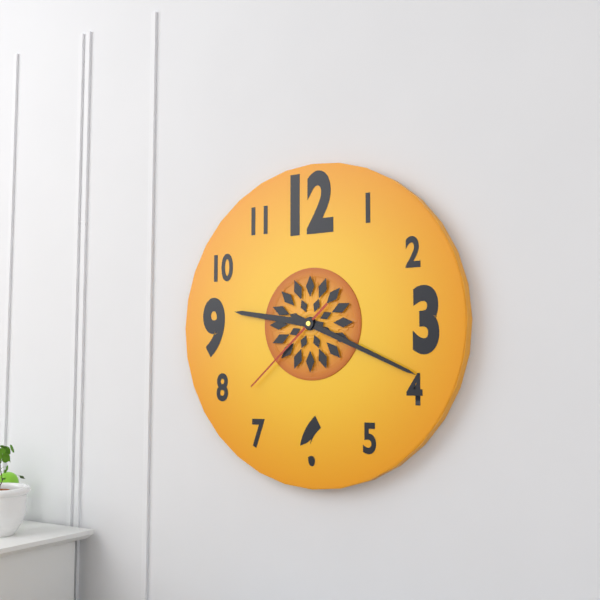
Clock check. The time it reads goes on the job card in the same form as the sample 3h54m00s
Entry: 9h19m38s
